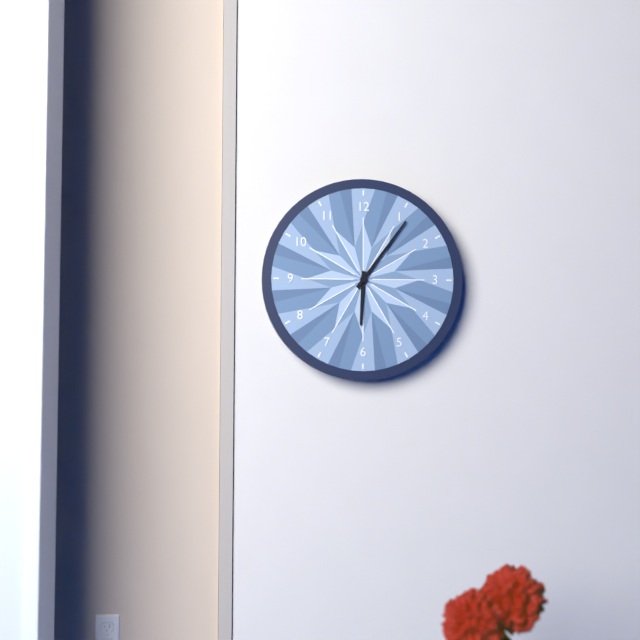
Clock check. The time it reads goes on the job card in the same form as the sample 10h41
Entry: 6h06
